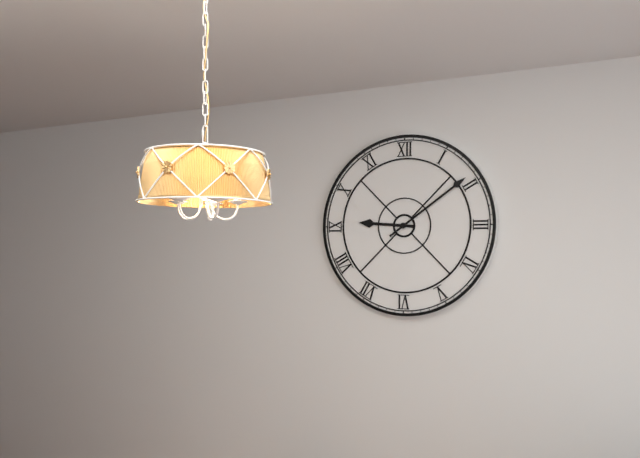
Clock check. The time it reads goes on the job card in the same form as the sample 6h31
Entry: 9h09
